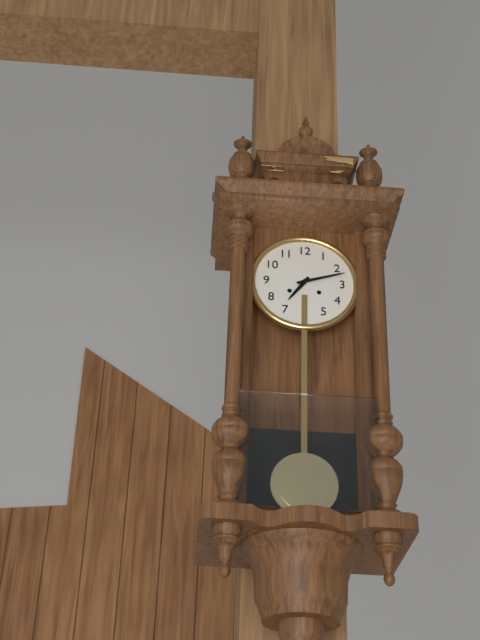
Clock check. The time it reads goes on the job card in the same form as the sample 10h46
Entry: 7h12
